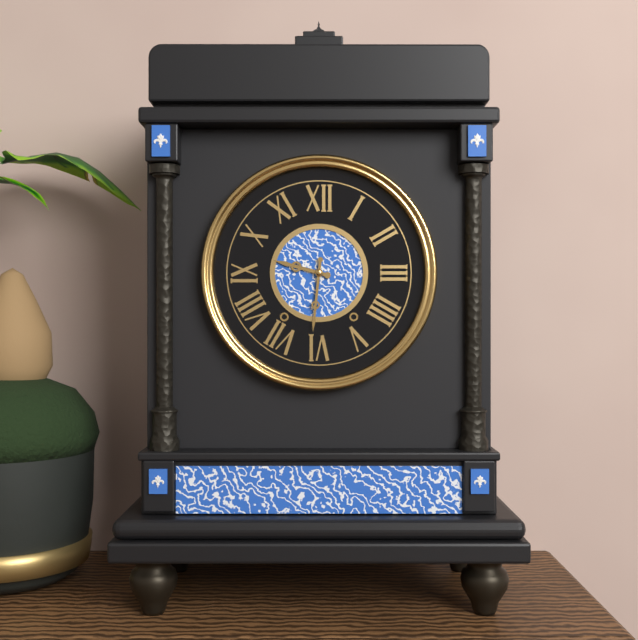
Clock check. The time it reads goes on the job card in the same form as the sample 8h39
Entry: 9h31
